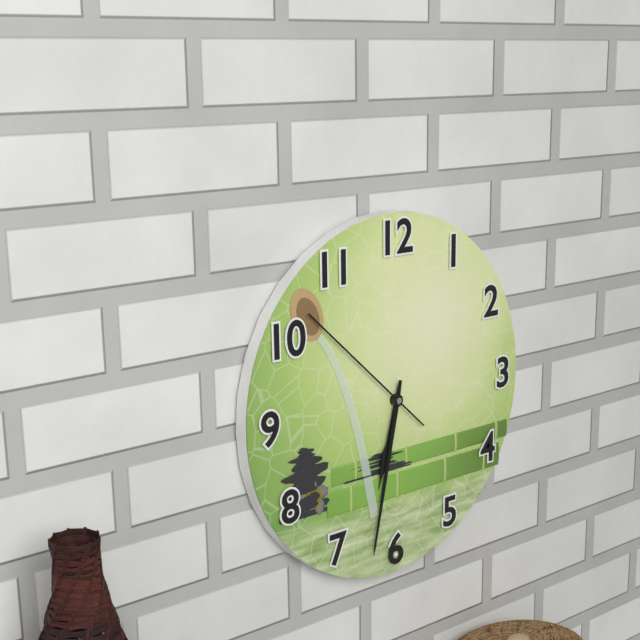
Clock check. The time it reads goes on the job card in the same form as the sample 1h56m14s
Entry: 6h32m52s
